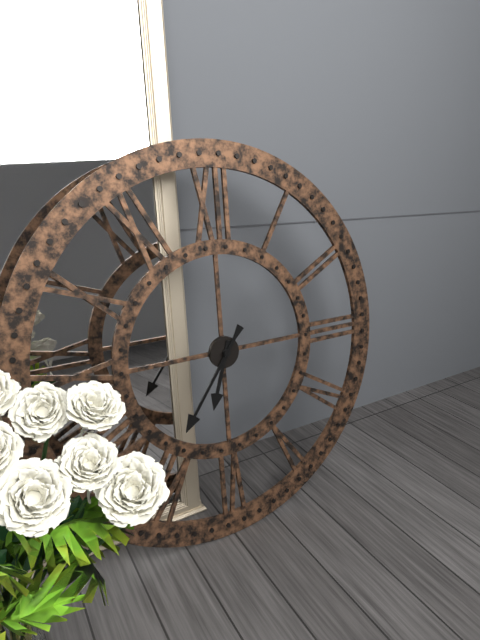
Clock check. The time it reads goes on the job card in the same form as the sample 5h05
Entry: 6h36
